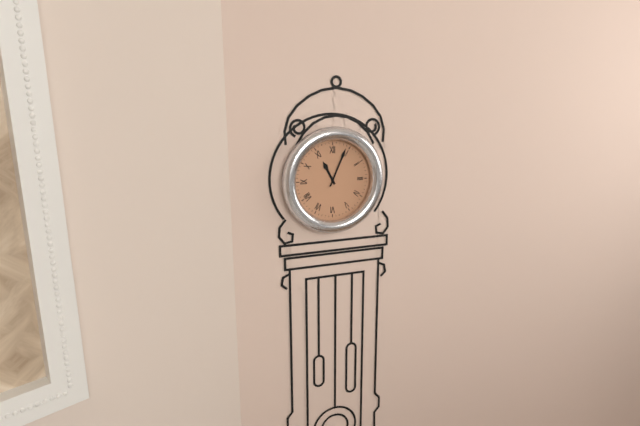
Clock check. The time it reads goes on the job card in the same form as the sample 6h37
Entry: 11h04
